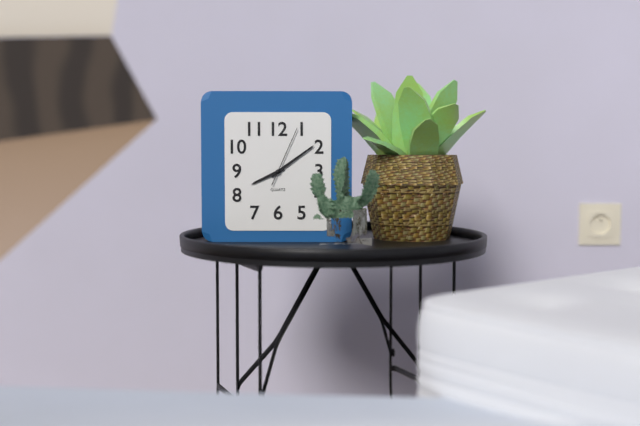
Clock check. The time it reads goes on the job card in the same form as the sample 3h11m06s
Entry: 8h09m04s
